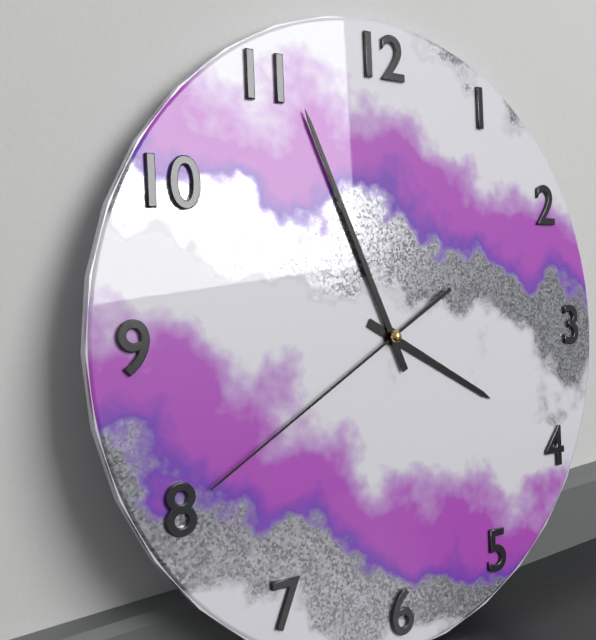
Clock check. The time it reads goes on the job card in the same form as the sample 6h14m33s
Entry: 3h56m40s
